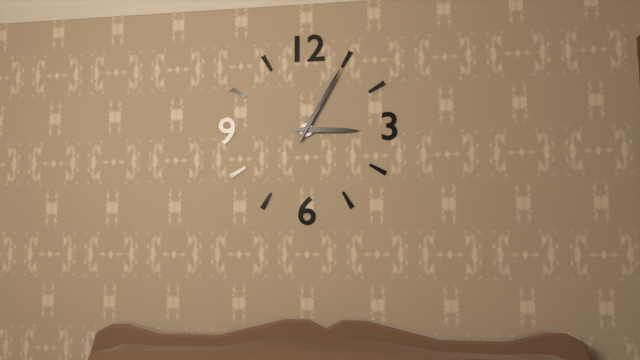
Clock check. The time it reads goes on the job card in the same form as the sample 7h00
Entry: 3h05
